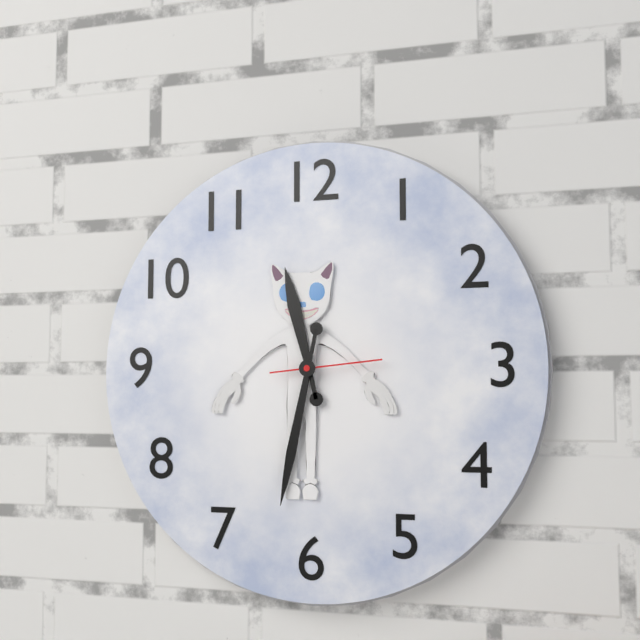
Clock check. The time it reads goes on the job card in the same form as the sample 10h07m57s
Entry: 11h32m14s
